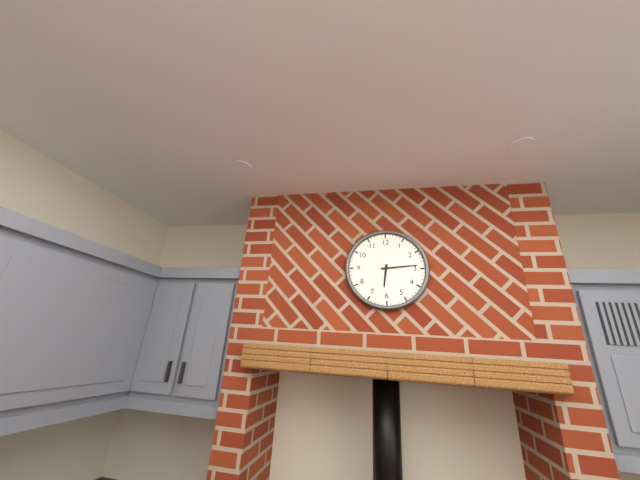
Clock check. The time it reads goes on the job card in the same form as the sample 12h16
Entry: 6h14
